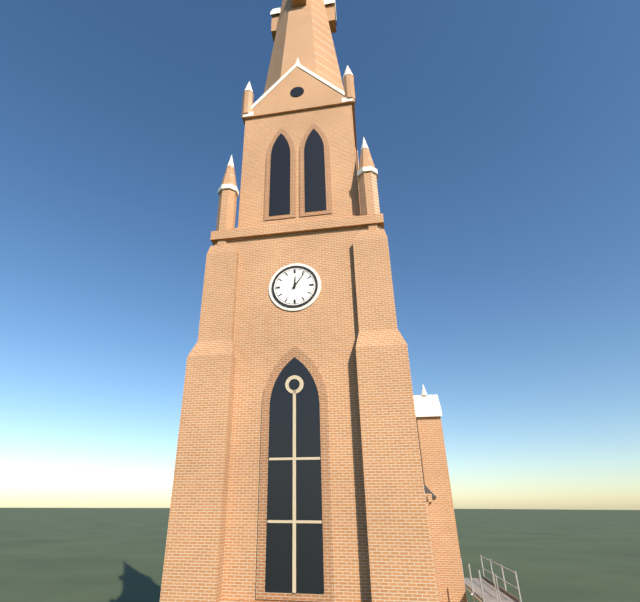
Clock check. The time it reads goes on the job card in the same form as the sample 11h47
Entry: 12h06
